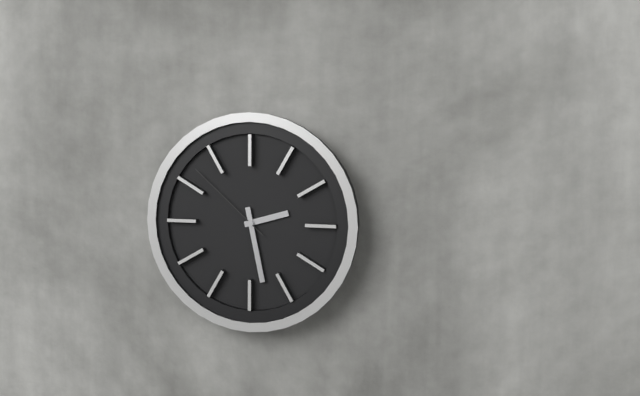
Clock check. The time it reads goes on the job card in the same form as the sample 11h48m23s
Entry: 2h28m52s
